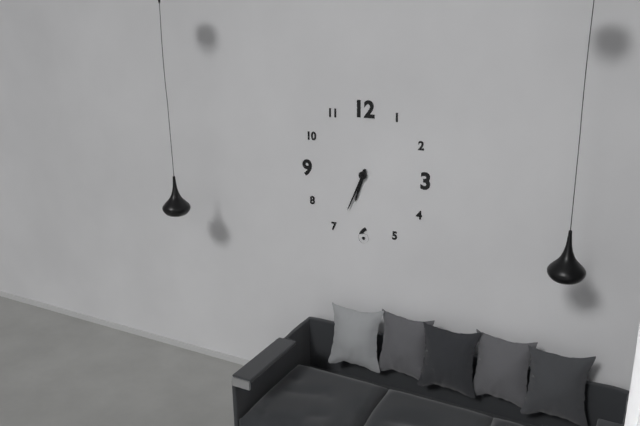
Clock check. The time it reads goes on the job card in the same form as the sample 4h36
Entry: 6h34
